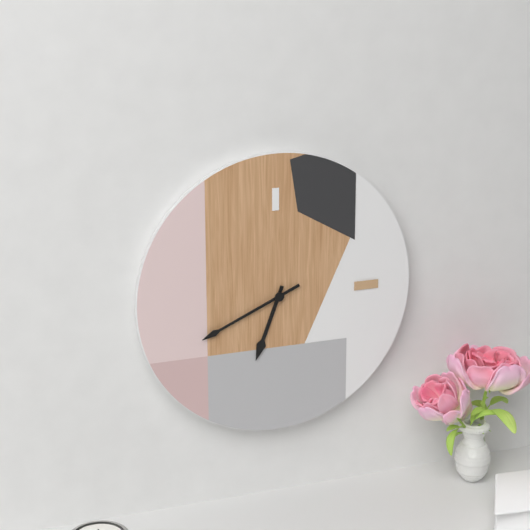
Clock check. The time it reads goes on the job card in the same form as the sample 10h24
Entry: 6h41
